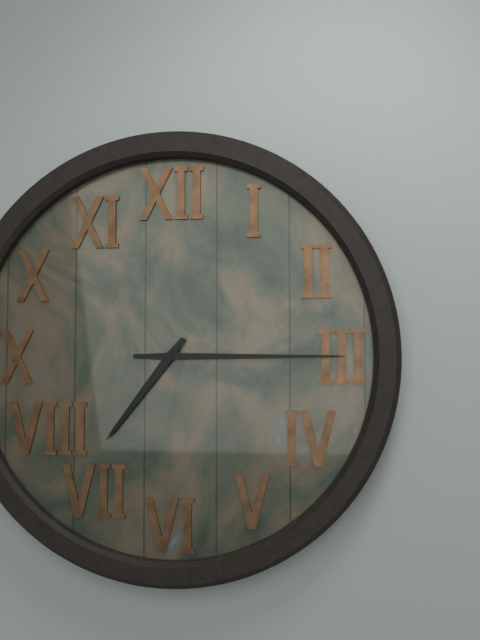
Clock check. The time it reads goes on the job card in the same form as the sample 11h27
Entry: 7h15
